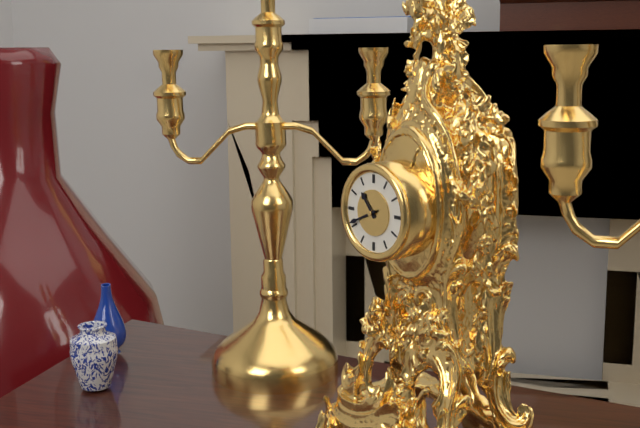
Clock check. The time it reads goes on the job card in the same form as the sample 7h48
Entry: 10h41
